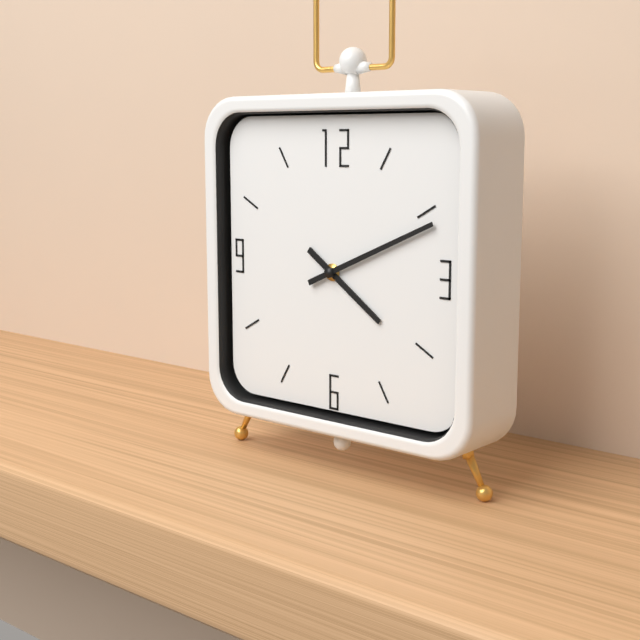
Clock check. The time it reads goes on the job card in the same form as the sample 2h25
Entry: 4h11
